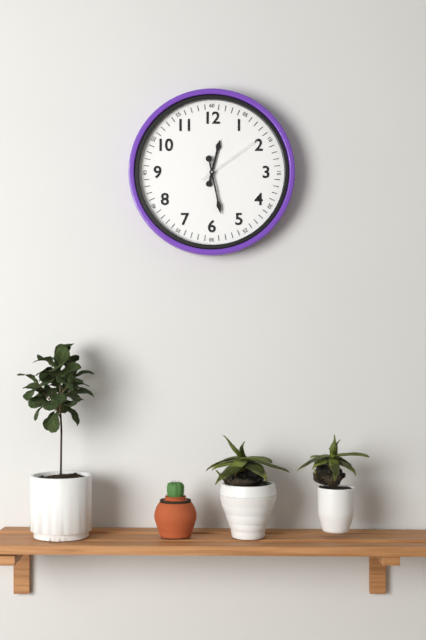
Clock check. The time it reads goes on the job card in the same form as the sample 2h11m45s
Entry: 12h28m09s
